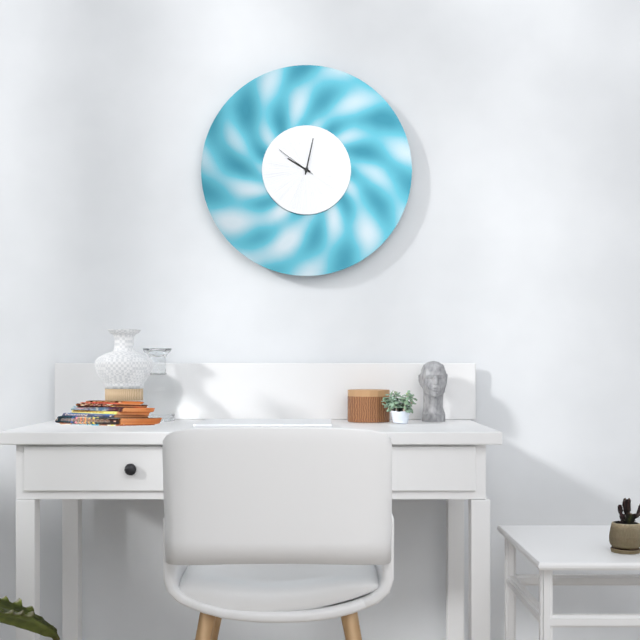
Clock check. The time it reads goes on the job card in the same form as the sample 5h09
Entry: 10h02
